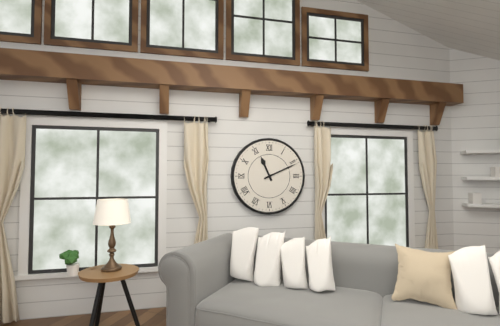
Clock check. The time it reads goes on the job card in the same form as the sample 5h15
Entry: 11h11
